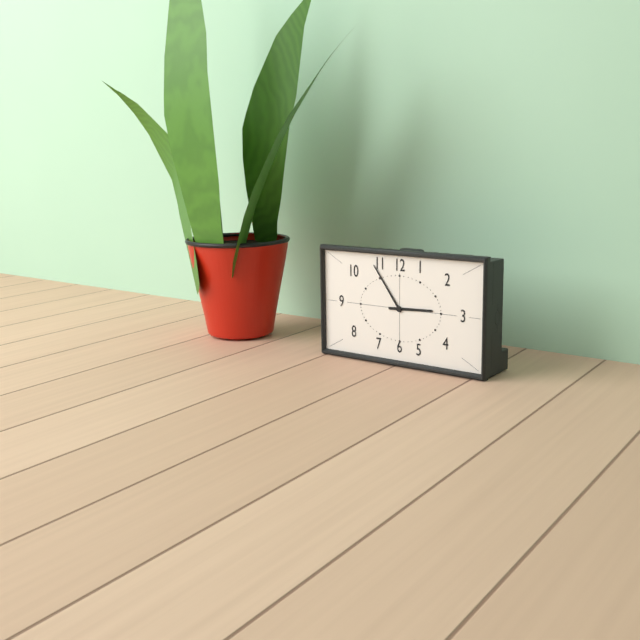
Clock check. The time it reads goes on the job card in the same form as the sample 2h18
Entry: 2h54
